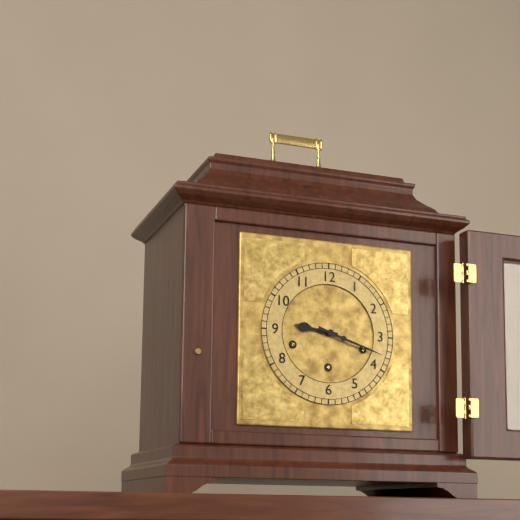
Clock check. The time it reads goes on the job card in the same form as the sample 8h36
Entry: 9h18
